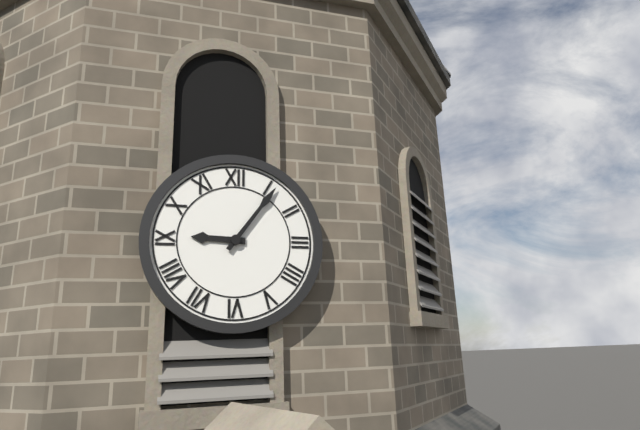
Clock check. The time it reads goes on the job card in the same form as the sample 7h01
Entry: 9h06
